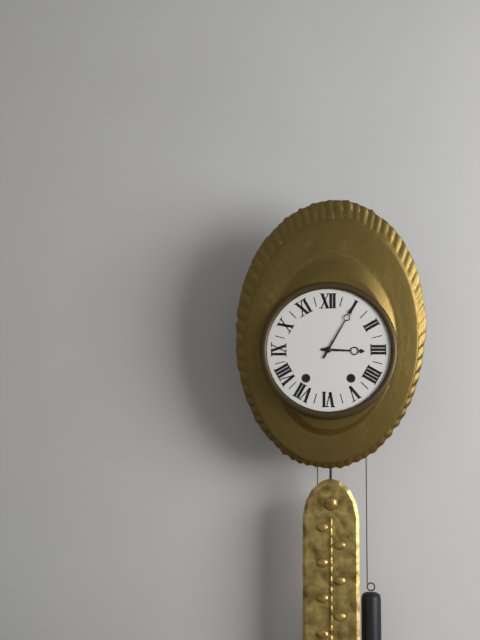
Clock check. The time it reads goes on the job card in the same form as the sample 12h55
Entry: 3h05
